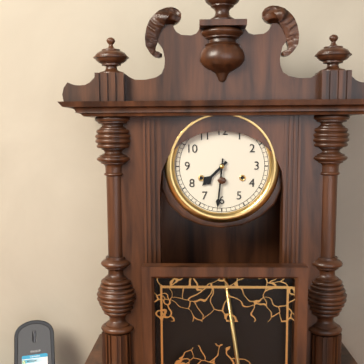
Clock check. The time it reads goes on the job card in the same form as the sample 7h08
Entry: 7h31
